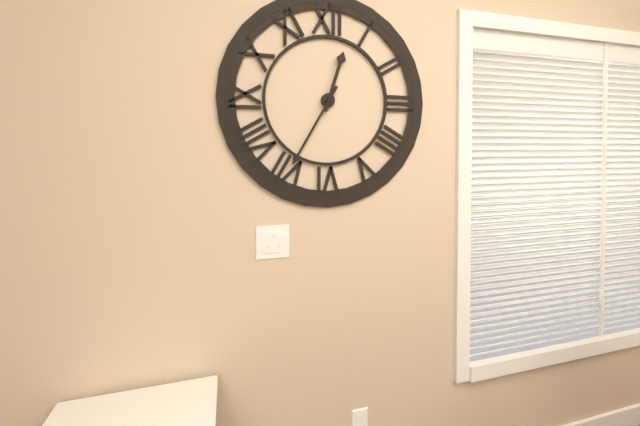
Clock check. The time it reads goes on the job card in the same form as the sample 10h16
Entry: 12h35
